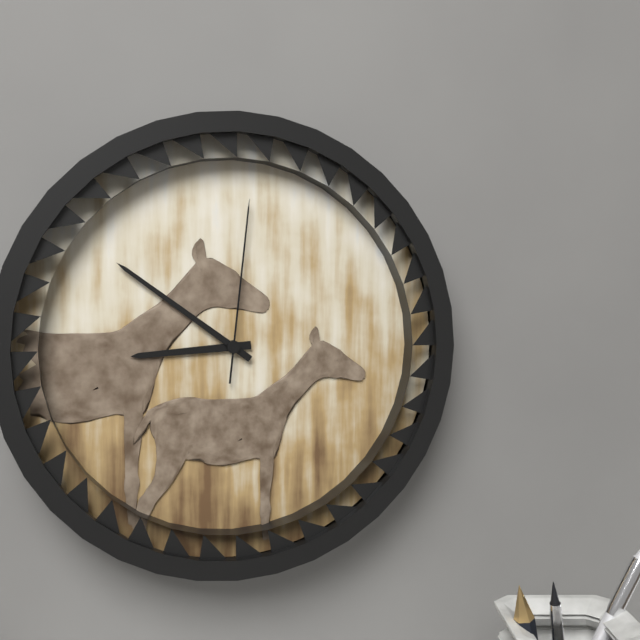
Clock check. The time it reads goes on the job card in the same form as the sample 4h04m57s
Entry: 8h51m01s
